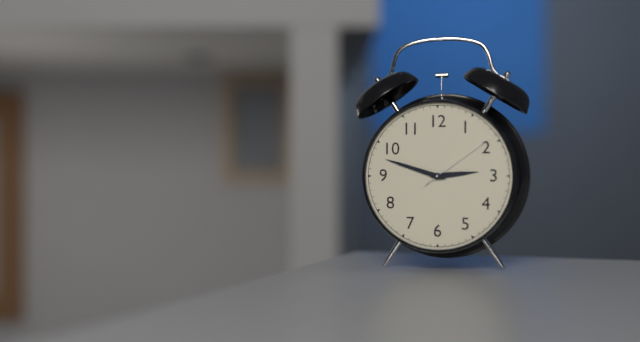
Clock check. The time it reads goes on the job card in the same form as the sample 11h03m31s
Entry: 2h48m09s
